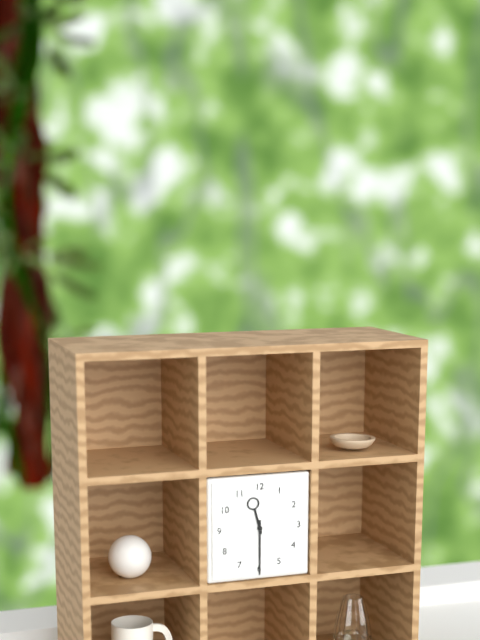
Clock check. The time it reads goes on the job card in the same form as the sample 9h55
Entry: 11h30
